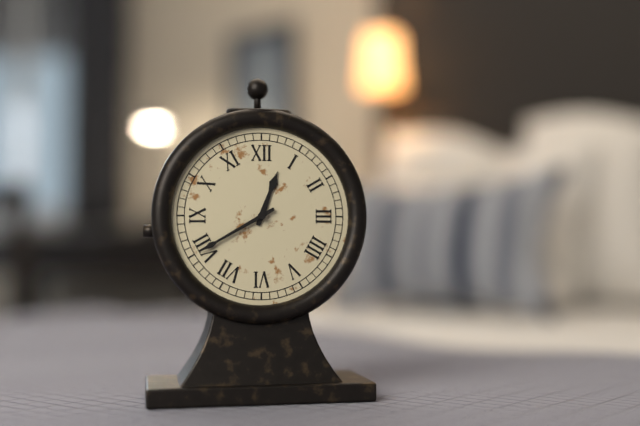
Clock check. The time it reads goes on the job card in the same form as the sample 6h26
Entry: 12h40
